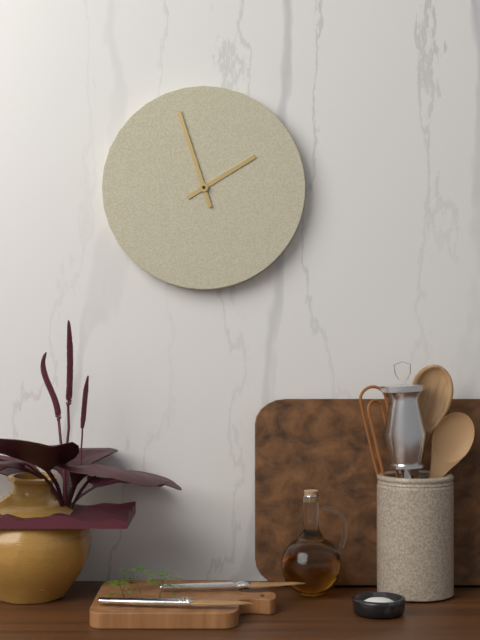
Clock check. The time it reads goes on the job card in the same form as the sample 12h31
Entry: 1h57
